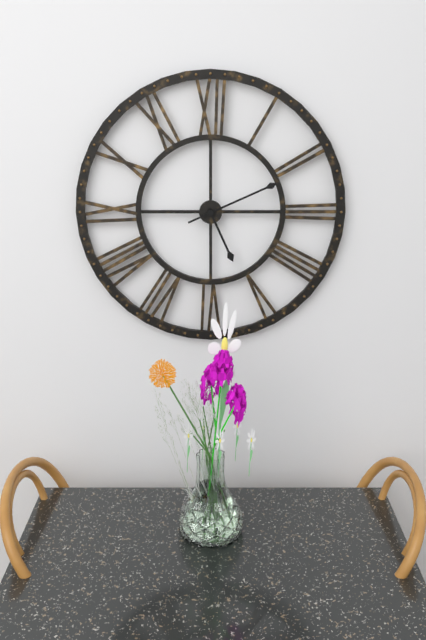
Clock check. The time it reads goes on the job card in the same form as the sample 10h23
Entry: 5h11
